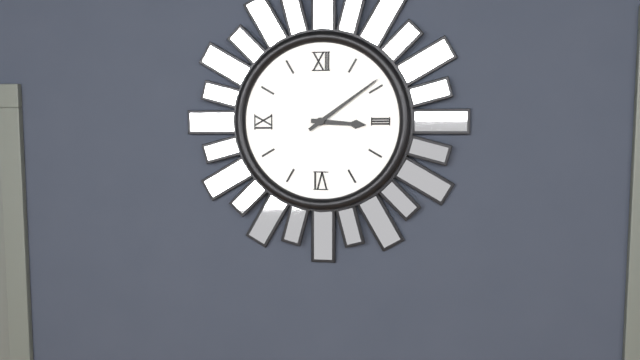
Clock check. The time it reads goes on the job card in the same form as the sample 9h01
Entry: 3h09
